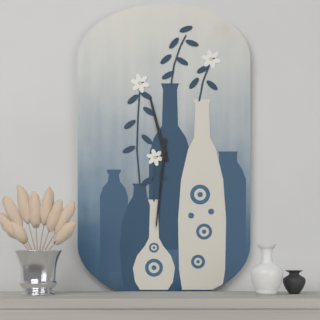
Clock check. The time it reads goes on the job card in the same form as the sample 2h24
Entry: 11h31
